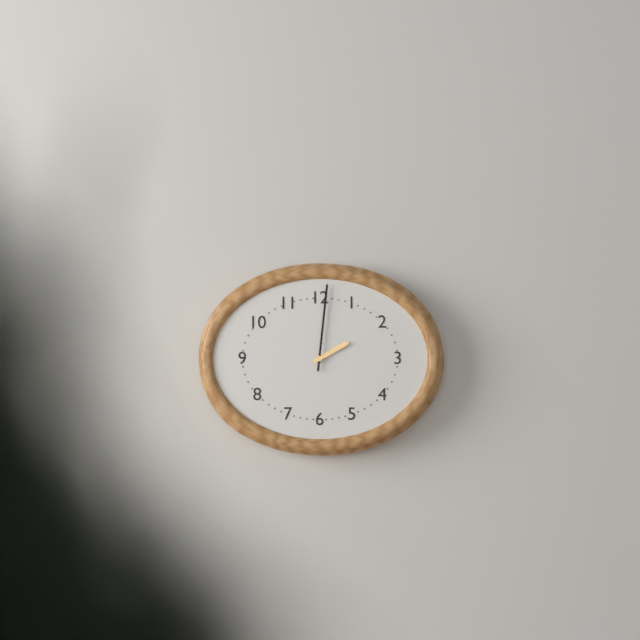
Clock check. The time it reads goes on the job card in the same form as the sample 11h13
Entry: 2h01
